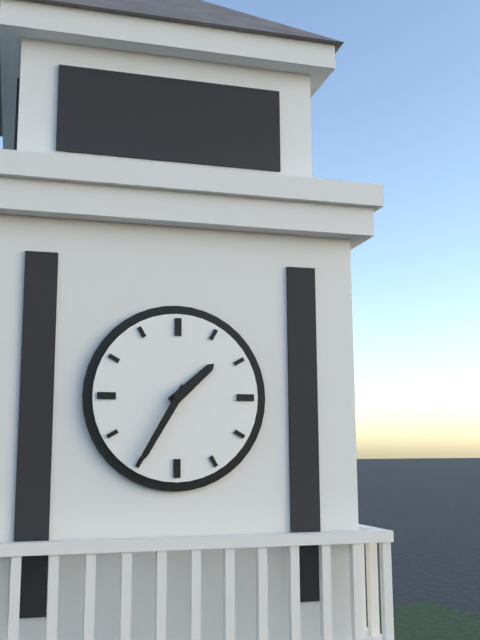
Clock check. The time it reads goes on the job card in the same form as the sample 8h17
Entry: 1h35
